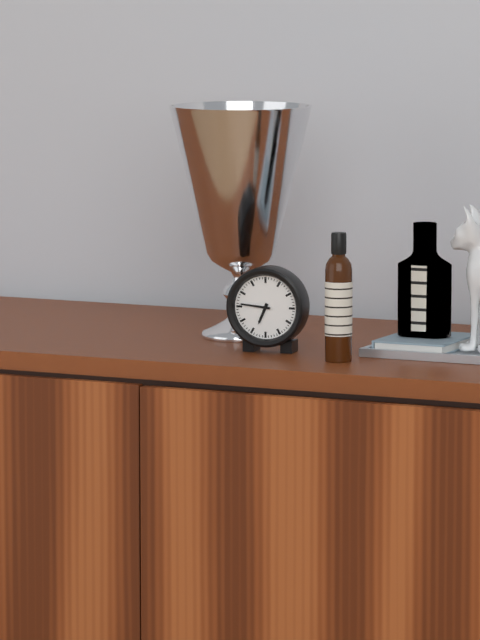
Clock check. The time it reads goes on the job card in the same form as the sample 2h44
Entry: 6h46
